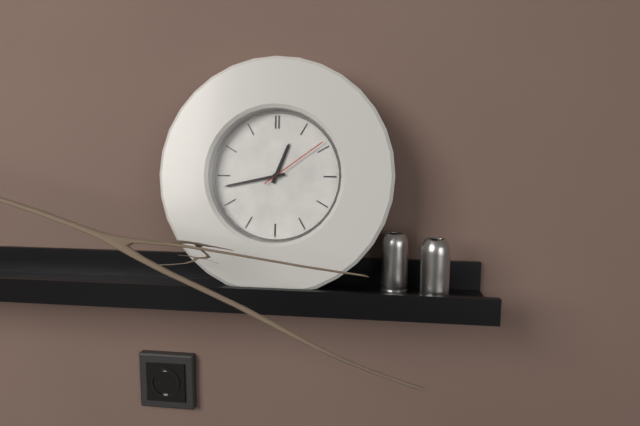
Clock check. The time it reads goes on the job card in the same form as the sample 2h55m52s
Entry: 12h43m09s
